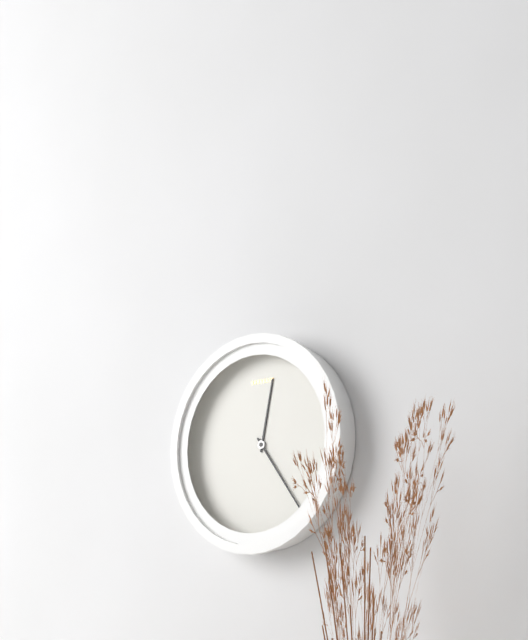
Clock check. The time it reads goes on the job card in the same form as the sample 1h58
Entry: 12h24
